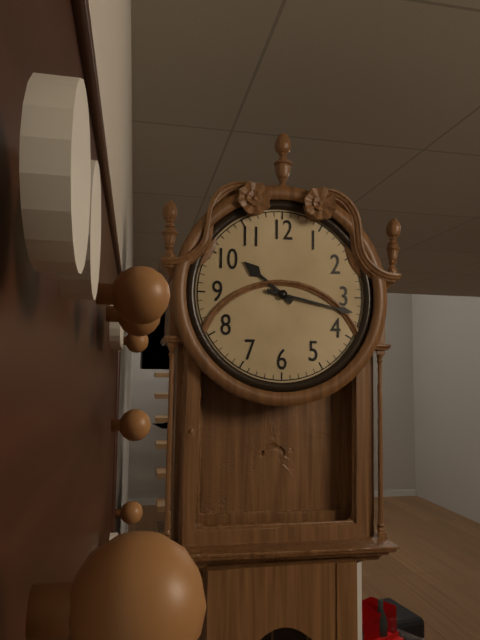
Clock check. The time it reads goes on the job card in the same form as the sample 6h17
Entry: 10h17
